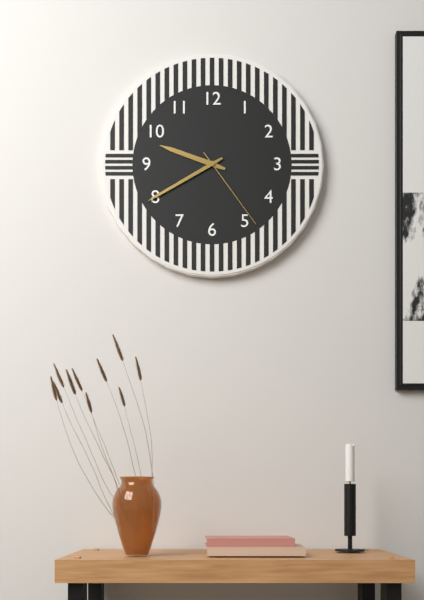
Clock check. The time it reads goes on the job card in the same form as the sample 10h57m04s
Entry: 9h40m24s
